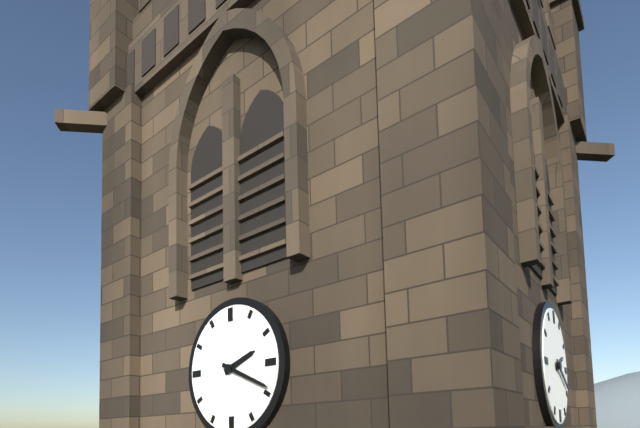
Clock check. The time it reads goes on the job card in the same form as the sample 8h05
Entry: 2h19
